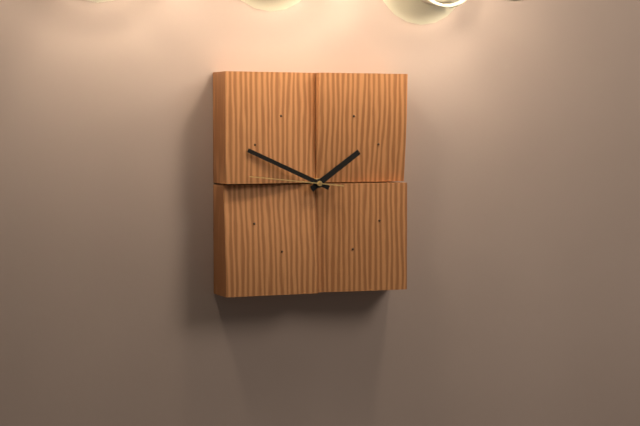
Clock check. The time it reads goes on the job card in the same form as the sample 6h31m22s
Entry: 1h49m46s
